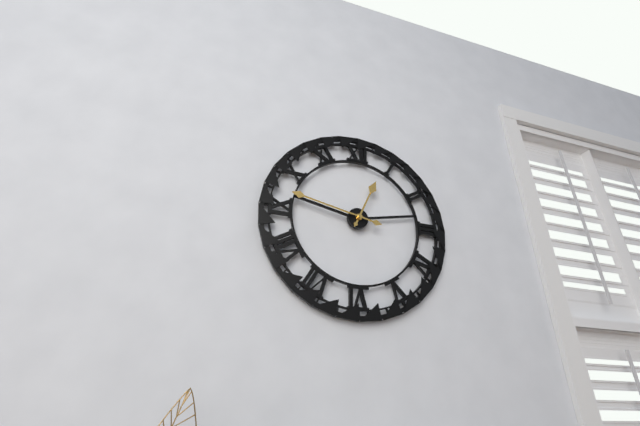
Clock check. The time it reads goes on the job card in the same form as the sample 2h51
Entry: 12h47
